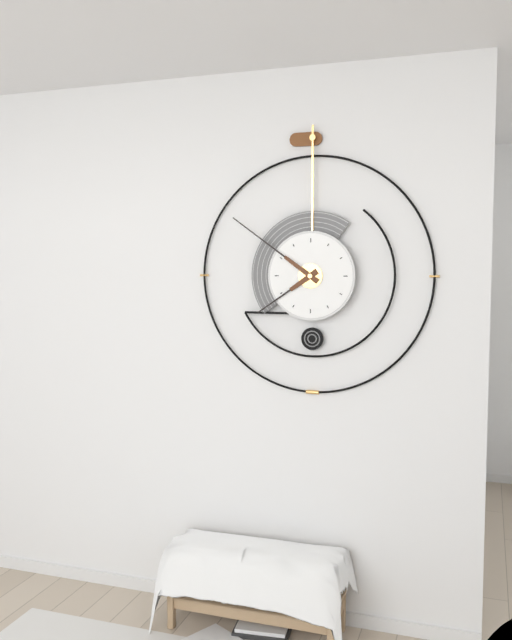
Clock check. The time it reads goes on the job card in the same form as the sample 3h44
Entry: 7h51
